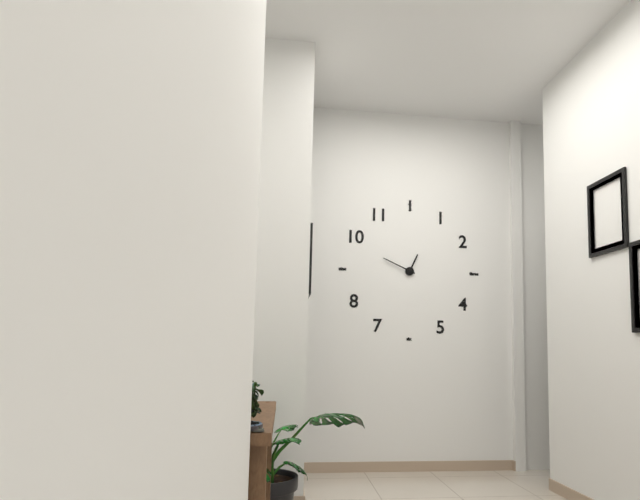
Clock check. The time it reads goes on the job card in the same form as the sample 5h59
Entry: 12h49
